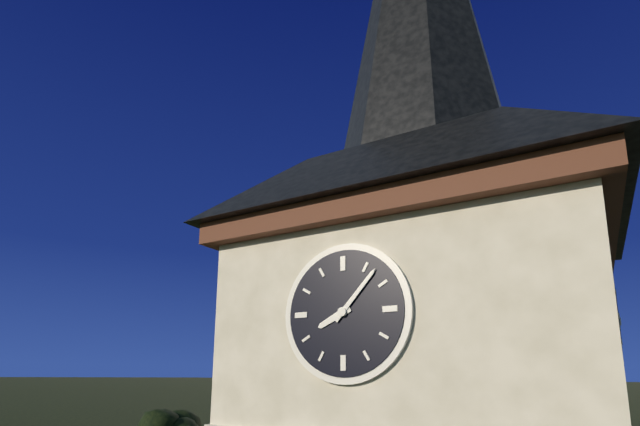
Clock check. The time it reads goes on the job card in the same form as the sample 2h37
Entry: 8h07
